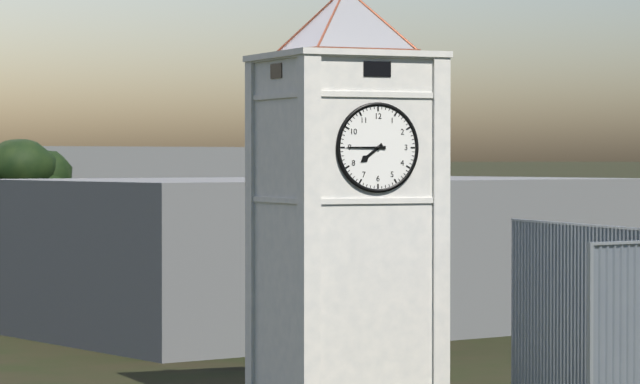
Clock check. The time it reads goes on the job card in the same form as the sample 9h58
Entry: 7h45
